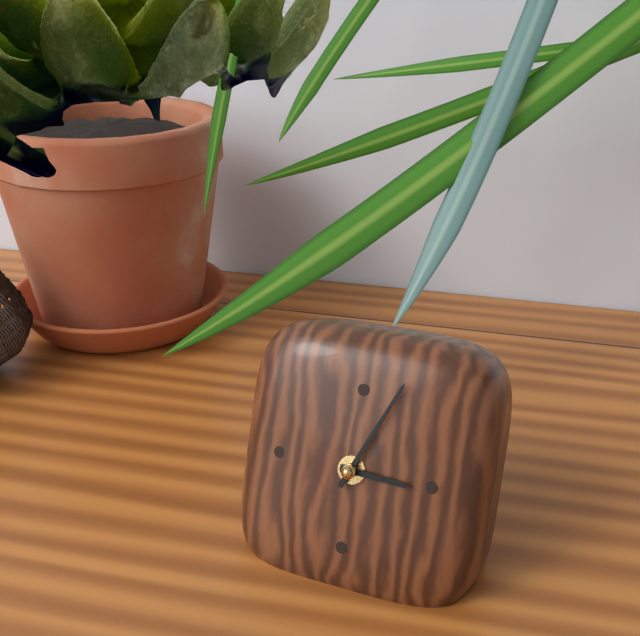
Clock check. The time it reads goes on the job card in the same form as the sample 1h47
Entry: 3h04
